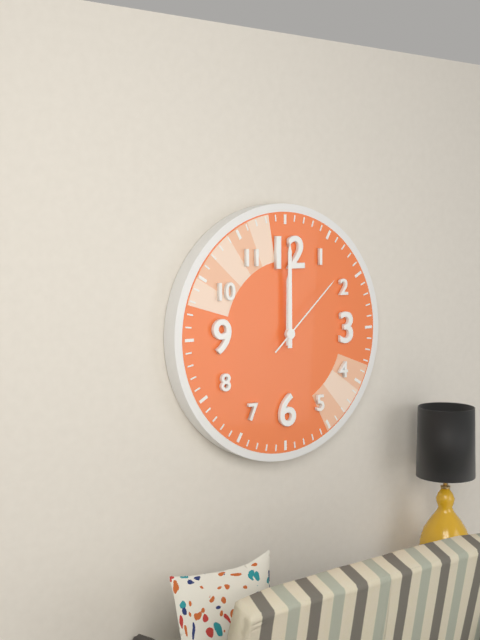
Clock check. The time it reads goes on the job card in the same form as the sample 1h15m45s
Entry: 12h00m08s
